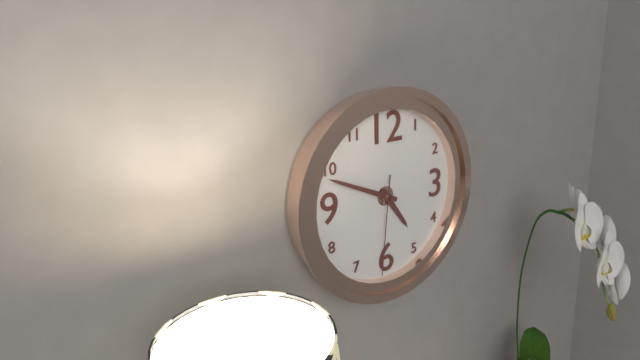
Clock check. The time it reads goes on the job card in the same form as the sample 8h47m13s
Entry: 4h49m31s
